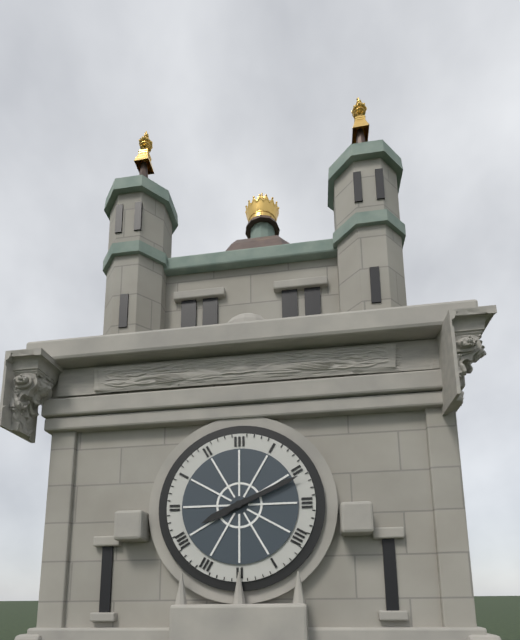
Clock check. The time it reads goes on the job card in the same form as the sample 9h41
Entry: 8h11
